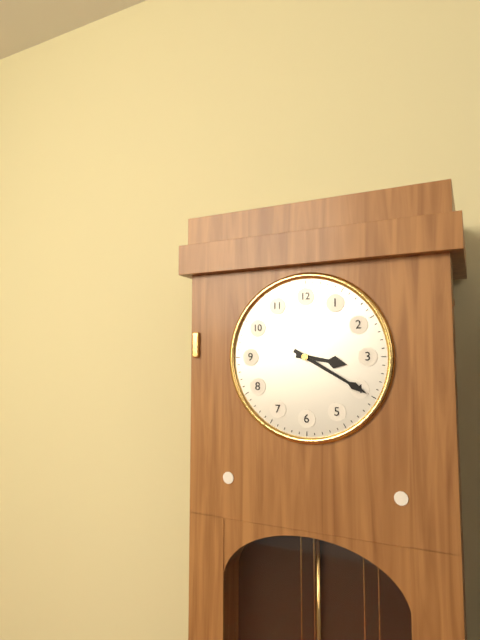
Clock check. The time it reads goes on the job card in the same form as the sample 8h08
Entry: 3h20
